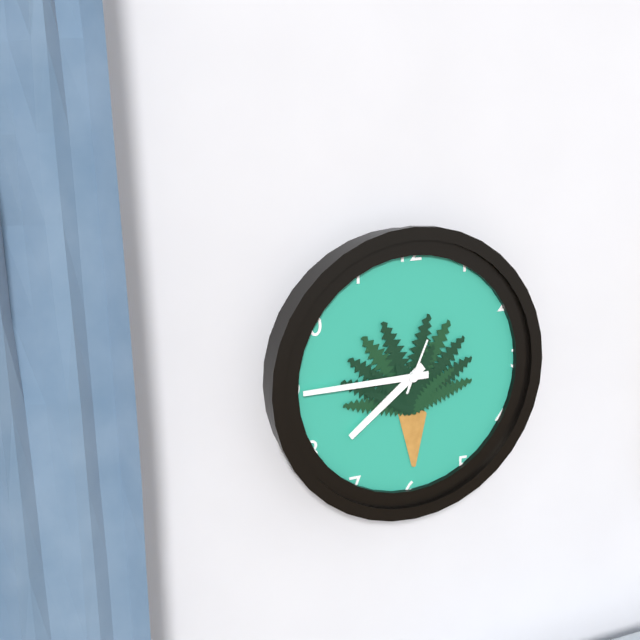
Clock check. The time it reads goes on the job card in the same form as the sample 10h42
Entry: 7h45
